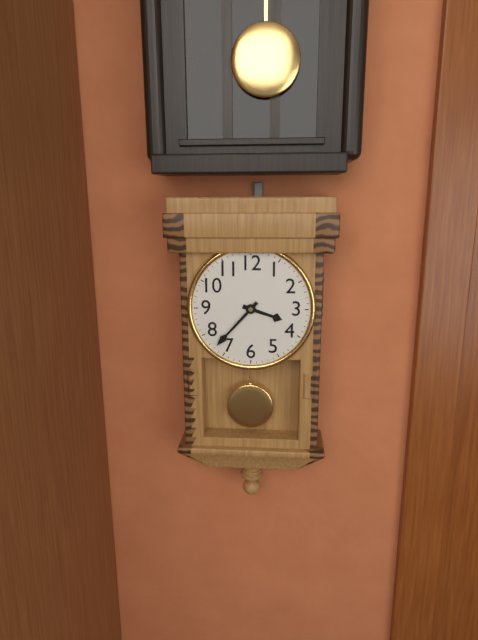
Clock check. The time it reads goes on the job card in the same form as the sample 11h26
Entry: 3h37
